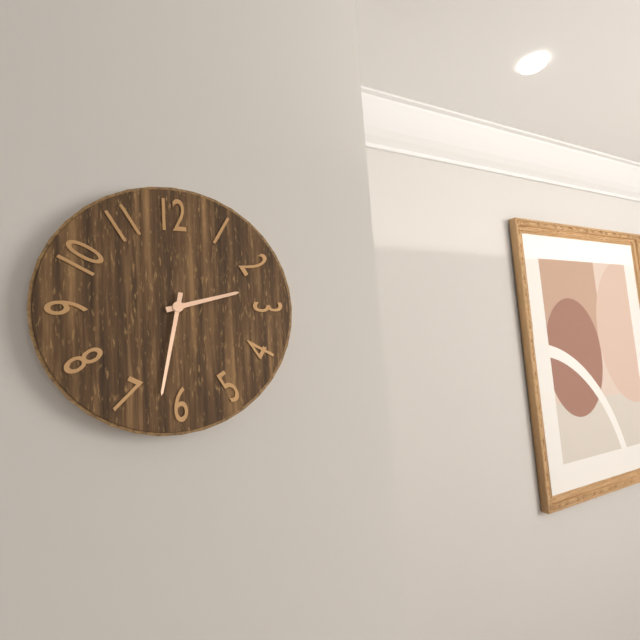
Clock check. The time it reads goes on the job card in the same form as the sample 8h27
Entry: 2h32
